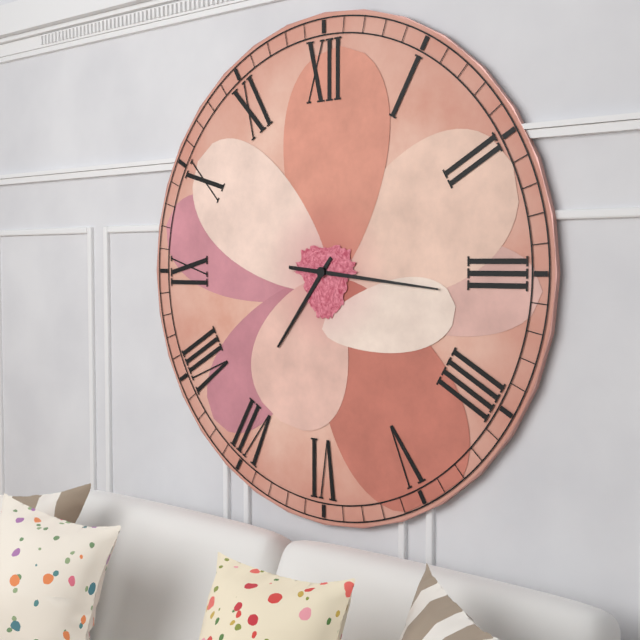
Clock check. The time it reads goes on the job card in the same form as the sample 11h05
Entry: 7h16
